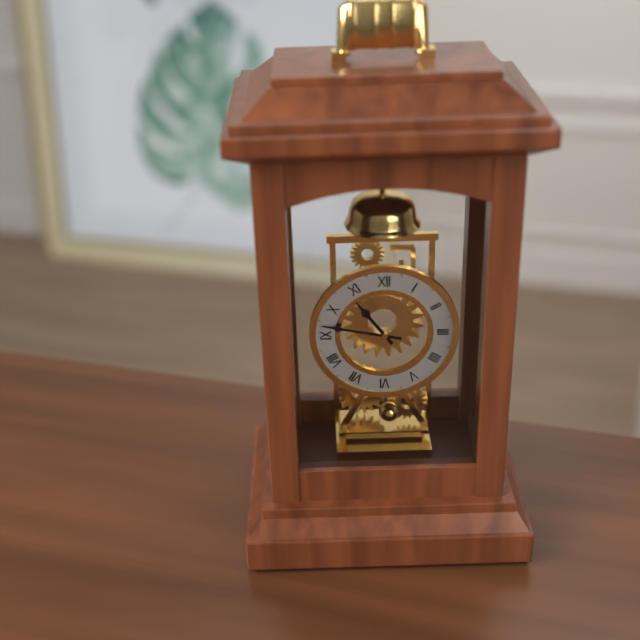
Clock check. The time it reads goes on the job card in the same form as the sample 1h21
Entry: 10h47
